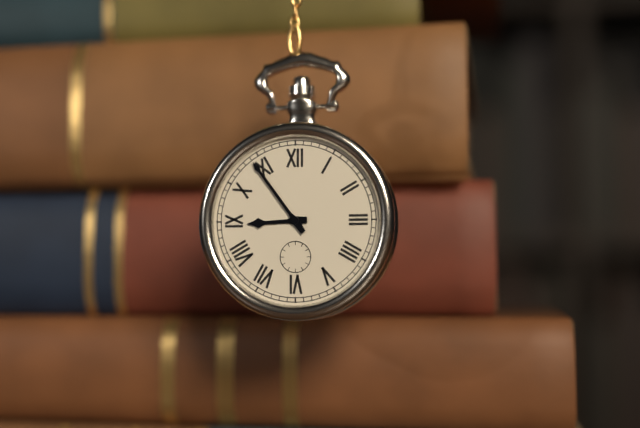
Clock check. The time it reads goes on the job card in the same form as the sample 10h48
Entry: 8h54
